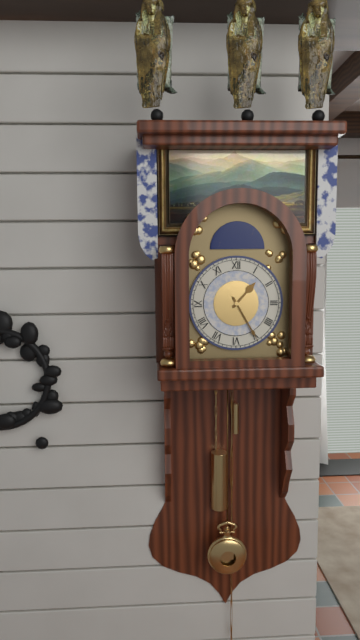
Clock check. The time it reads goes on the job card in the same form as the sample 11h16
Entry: 1h25
